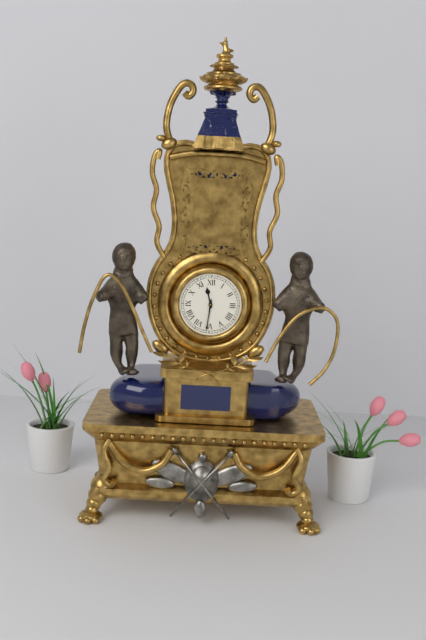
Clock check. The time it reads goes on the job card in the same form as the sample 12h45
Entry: 11h31
